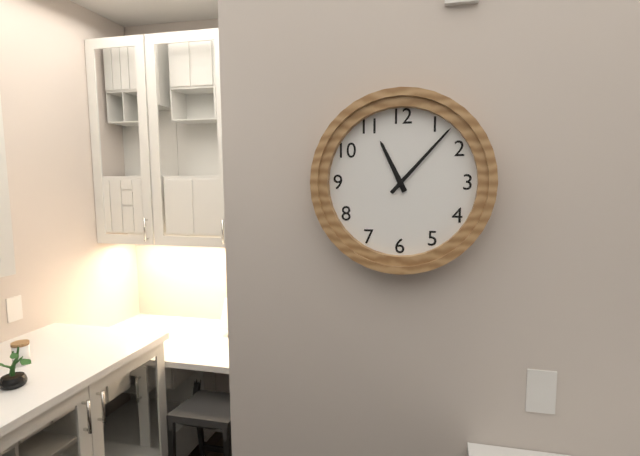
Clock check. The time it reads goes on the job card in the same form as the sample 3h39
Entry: 11h07
